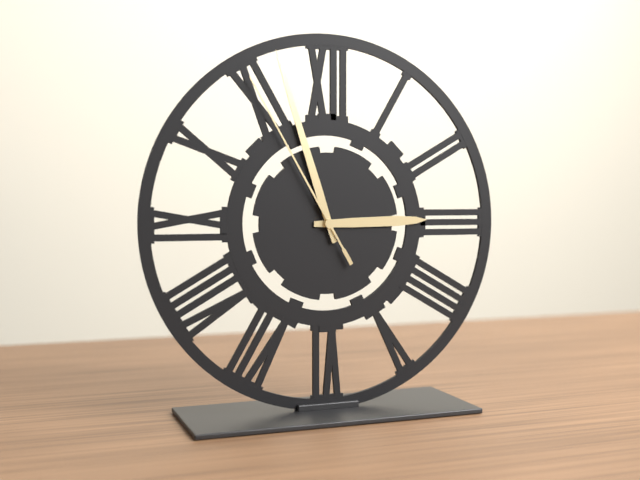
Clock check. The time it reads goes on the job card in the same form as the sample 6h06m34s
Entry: 2h57m55s
